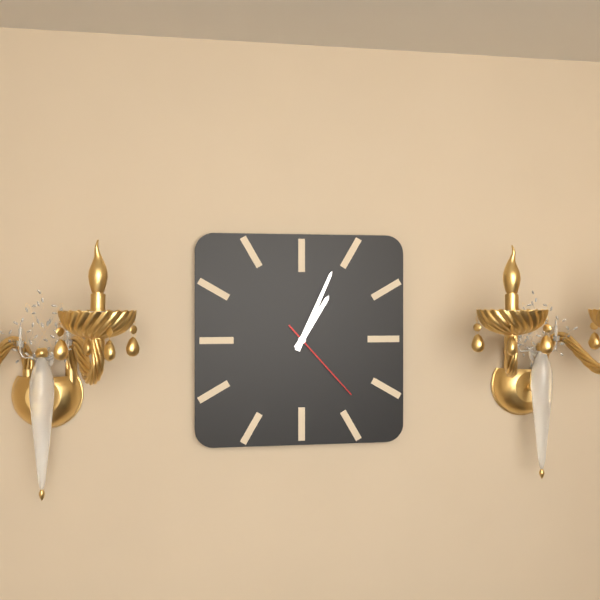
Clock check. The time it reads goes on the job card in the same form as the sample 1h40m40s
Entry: 1h04m23s
